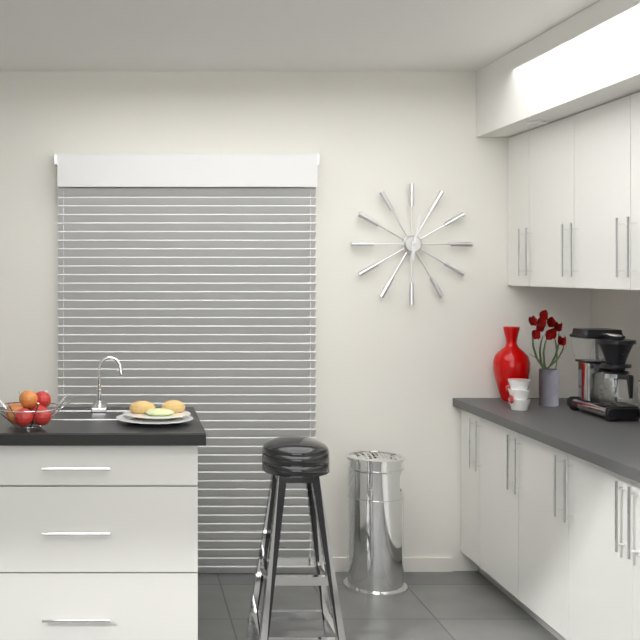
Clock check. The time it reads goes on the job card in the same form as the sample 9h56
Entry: 6h02
